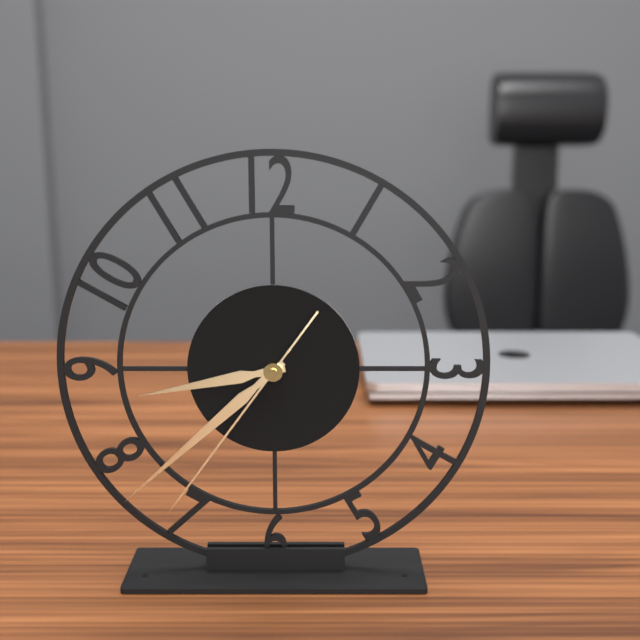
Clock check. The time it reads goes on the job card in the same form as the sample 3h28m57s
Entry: 8h38m36s
